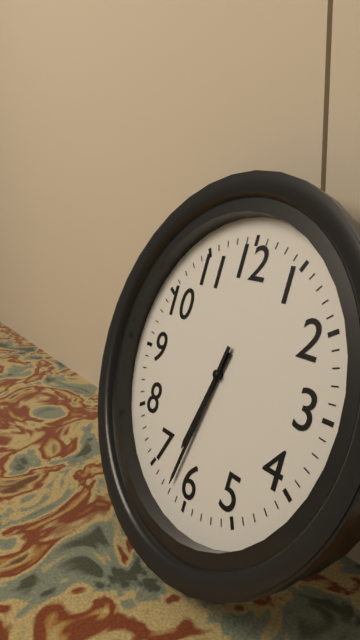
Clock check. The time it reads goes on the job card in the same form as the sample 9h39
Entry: 6h32
